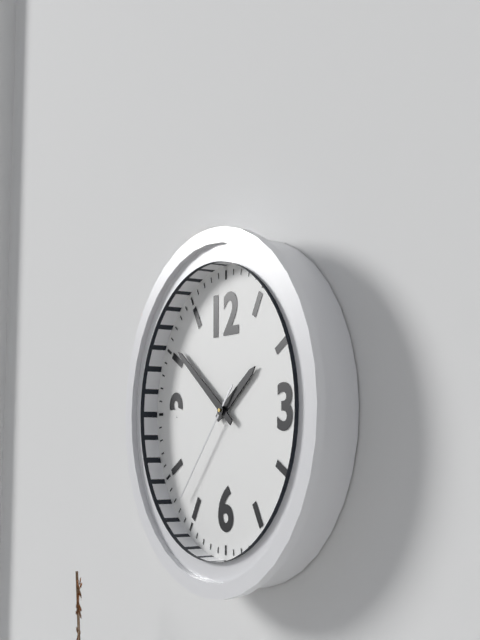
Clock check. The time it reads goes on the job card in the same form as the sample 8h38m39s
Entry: 1h51m37s
